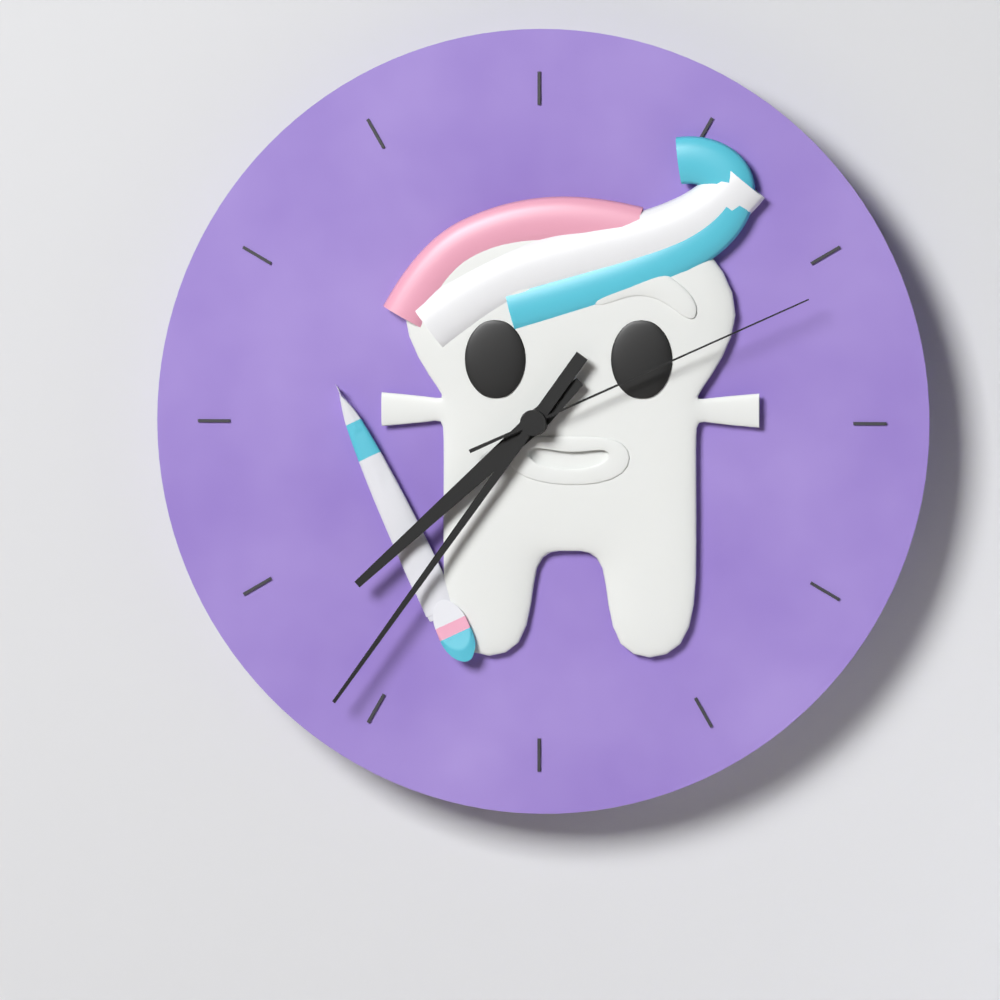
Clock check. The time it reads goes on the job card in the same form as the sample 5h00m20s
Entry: 7h36m11s
